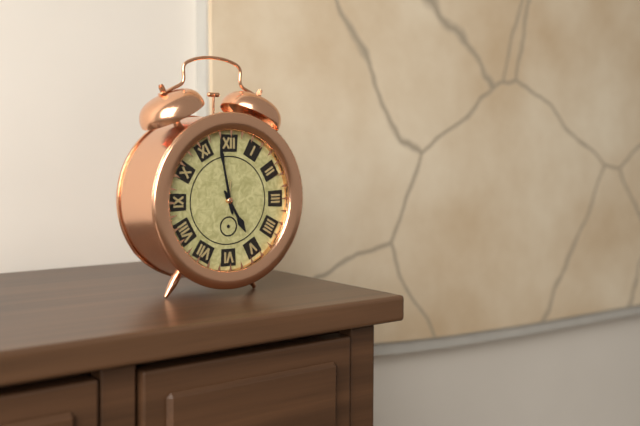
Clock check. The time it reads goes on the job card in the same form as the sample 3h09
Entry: 4h58
